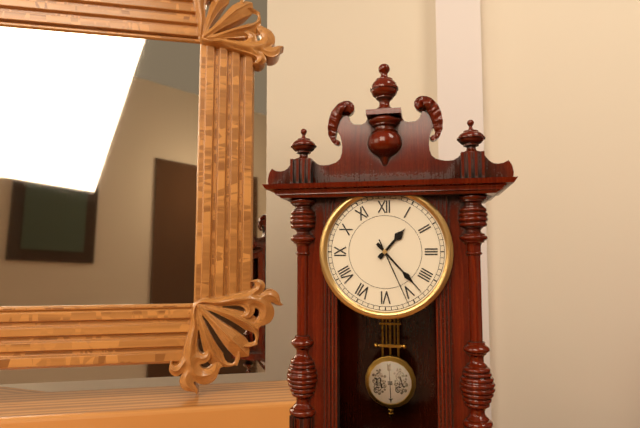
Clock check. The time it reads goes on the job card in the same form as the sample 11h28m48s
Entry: 1h23m26s
